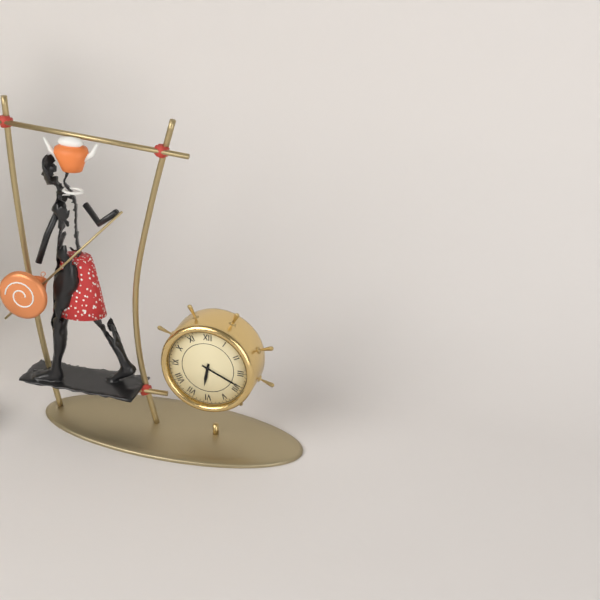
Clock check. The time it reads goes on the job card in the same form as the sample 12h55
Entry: 6h19
